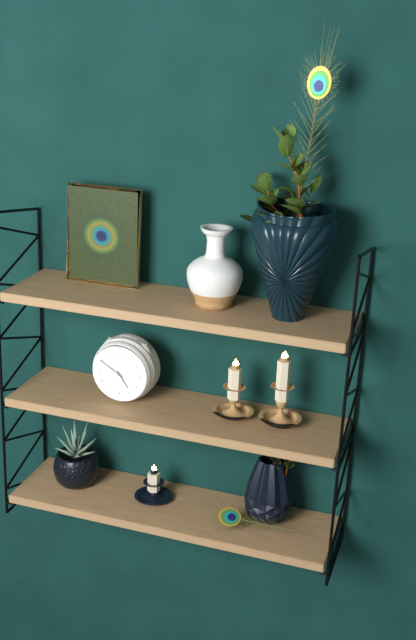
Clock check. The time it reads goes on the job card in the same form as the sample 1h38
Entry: 4h50
